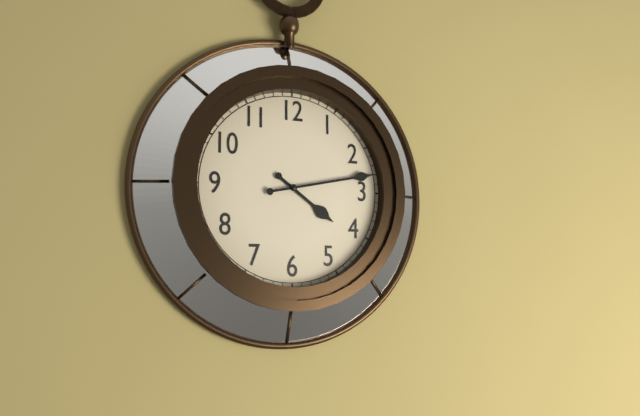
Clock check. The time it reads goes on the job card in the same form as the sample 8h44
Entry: 4h13
